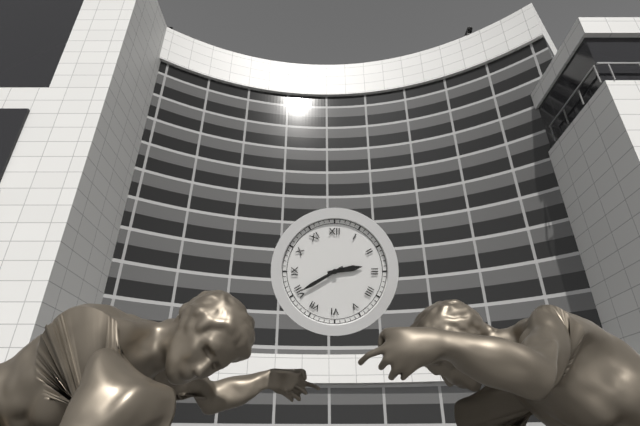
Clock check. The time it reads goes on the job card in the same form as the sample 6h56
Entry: 2h40
